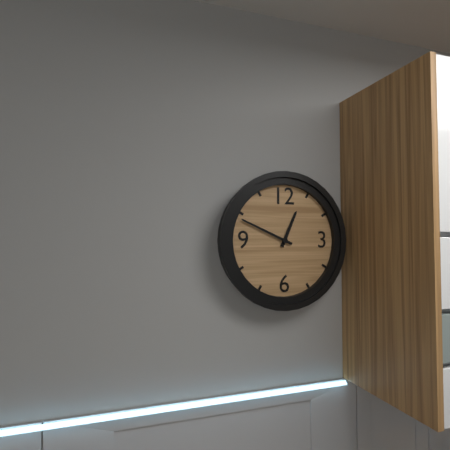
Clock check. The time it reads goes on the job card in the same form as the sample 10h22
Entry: 12h49
